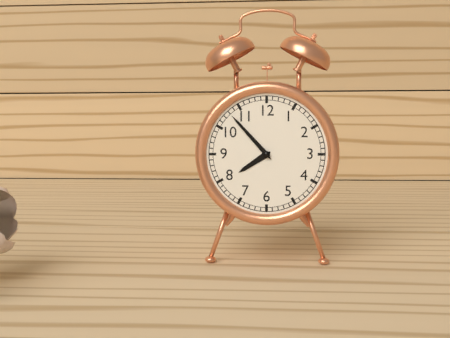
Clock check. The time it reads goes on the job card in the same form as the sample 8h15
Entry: 7h53
